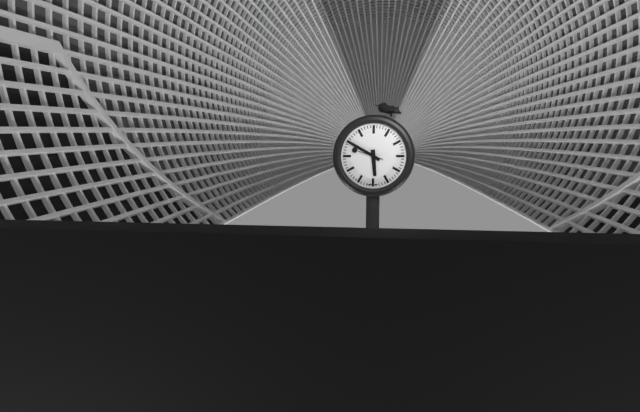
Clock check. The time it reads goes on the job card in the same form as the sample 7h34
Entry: 5h50
